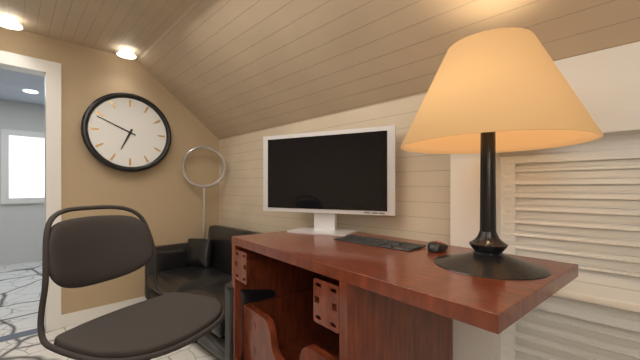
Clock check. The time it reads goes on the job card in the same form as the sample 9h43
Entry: 6h49
